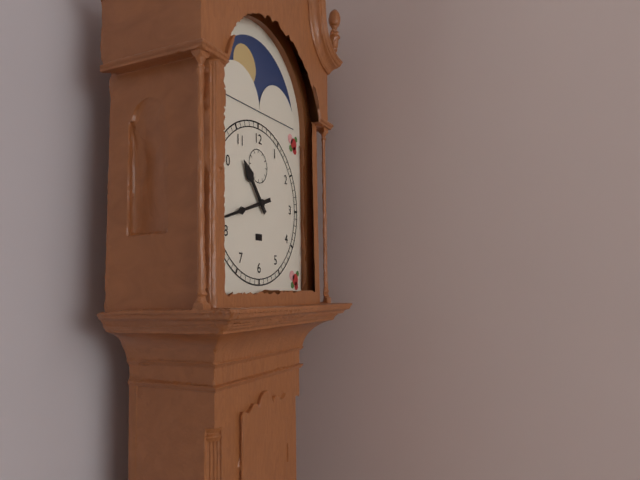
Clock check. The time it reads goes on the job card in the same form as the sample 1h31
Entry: 10h42
